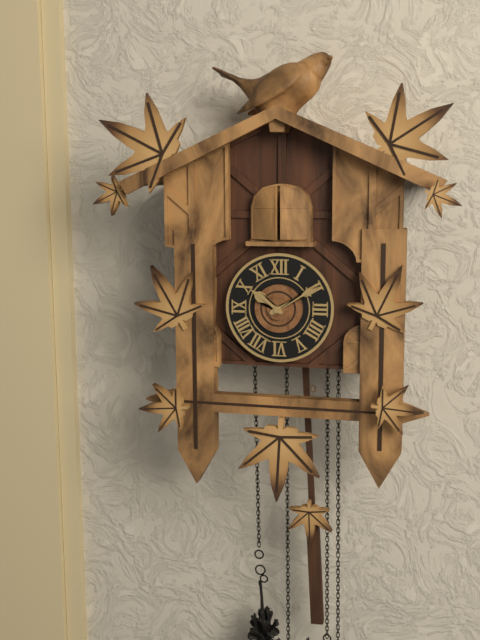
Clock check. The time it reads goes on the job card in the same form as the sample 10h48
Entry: 10h10
